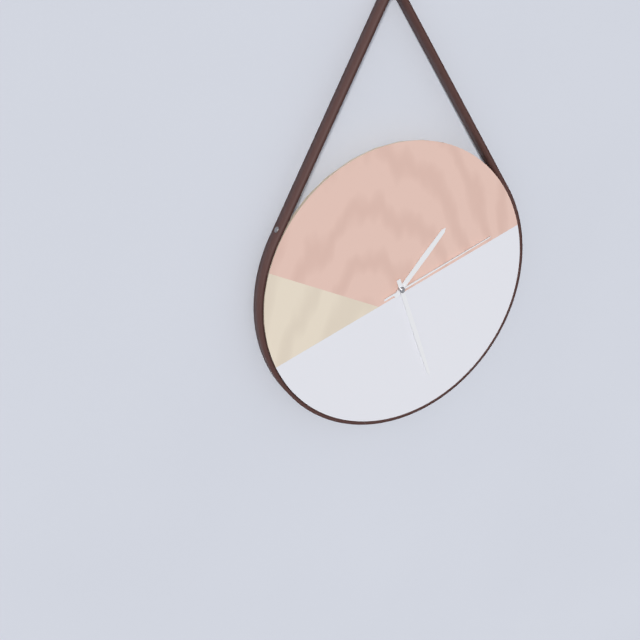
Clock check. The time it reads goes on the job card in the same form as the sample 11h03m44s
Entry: 1h27m12s
